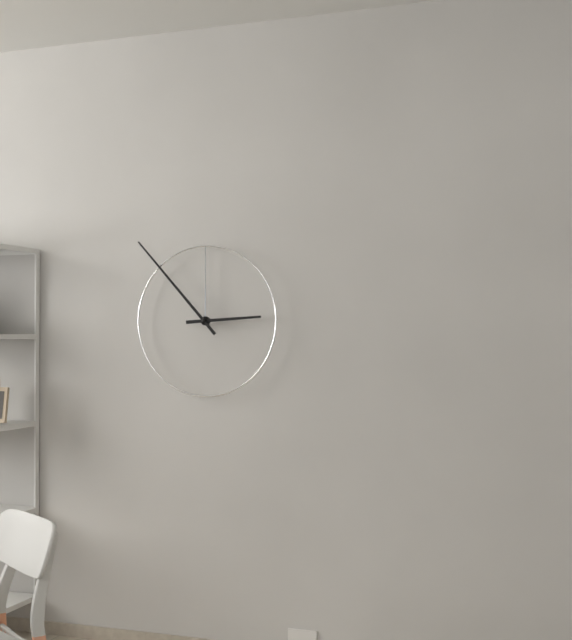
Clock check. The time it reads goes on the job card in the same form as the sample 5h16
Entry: 2h53
